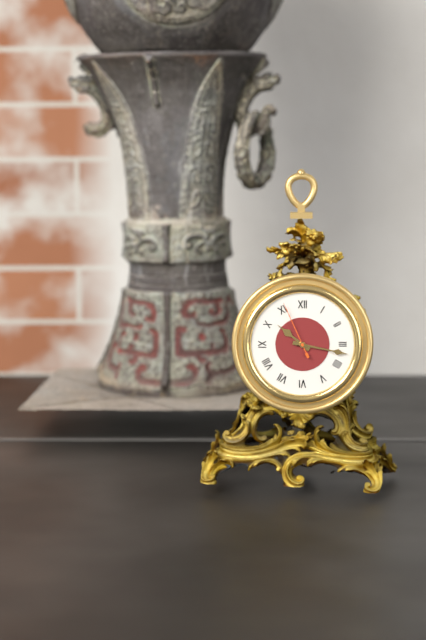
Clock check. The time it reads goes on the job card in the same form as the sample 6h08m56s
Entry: 10h17m56s
